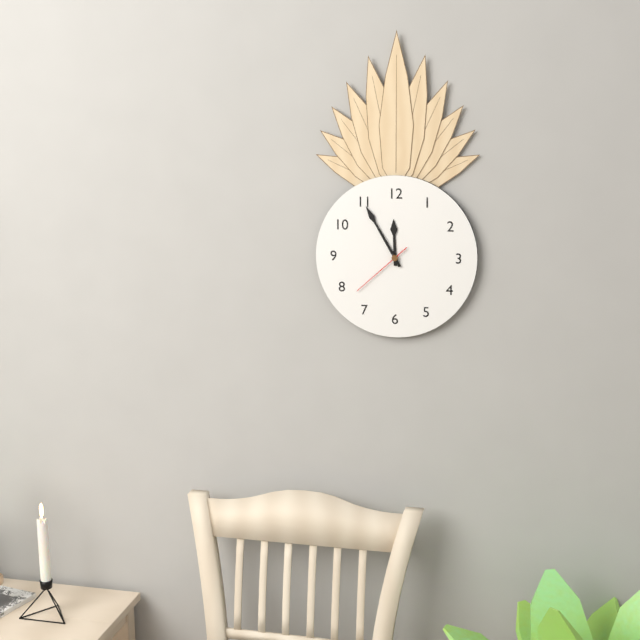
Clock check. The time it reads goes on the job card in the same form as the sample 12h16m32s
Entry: 11h55m38s
